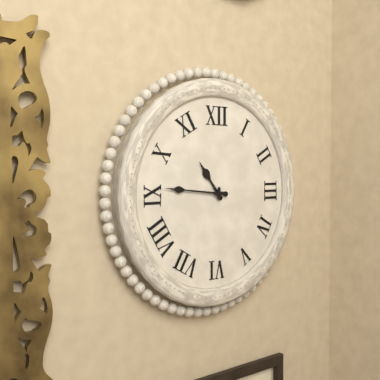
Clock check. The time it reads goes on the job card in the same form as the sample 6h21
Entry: 10h46
